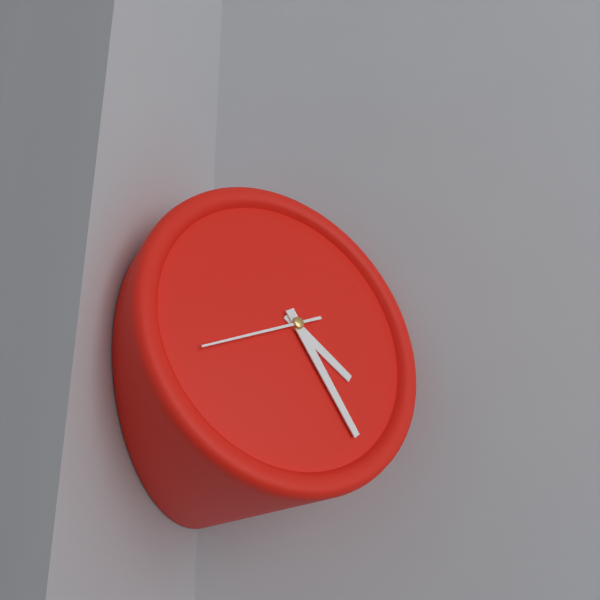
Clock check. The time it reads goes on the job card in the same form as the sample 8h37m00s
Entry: 4h26m42s
